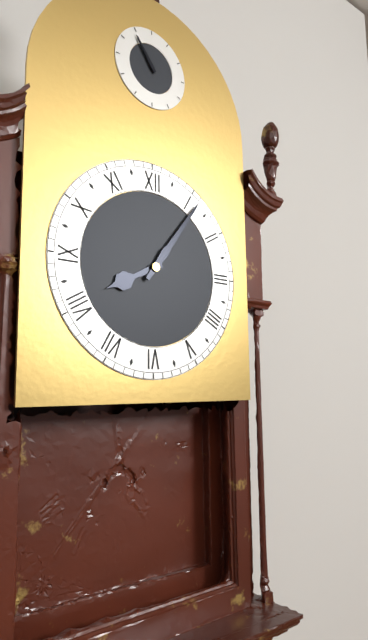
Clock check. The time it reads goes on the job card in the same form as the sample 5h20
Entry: 8h06
